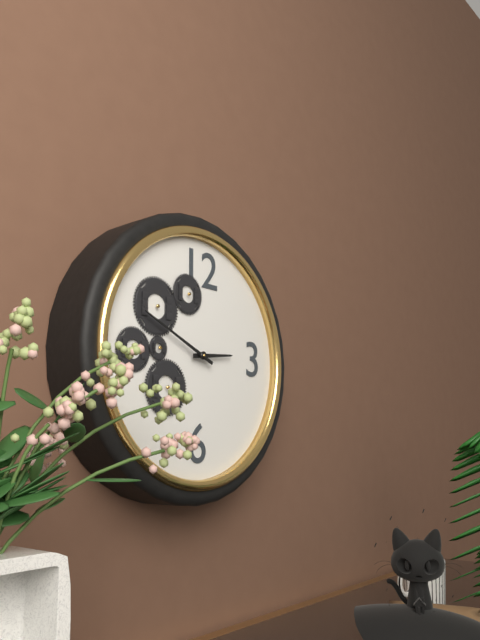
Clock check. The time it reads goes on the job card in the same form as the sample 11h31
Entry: 2h49
